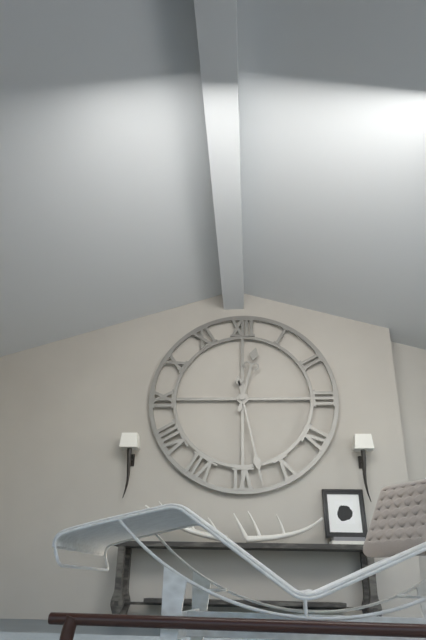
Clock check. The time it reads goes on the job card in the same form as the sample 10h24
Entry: 12h28
